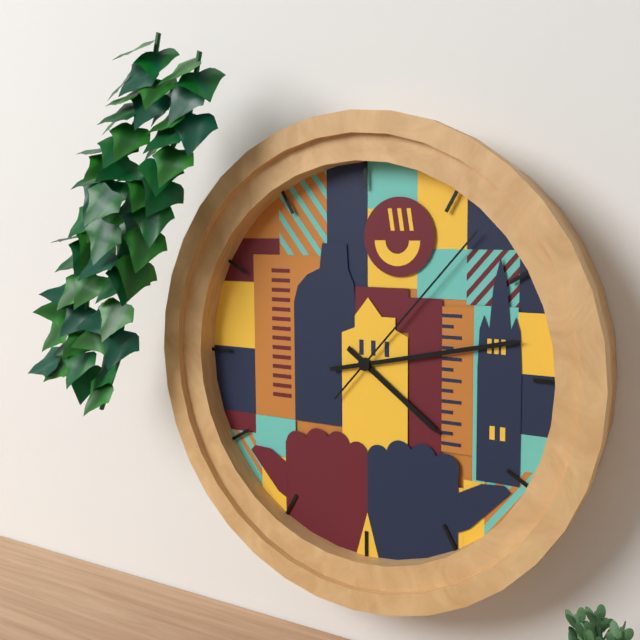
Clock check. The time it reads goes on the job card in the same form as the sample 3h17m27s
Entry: 4h13m07s
